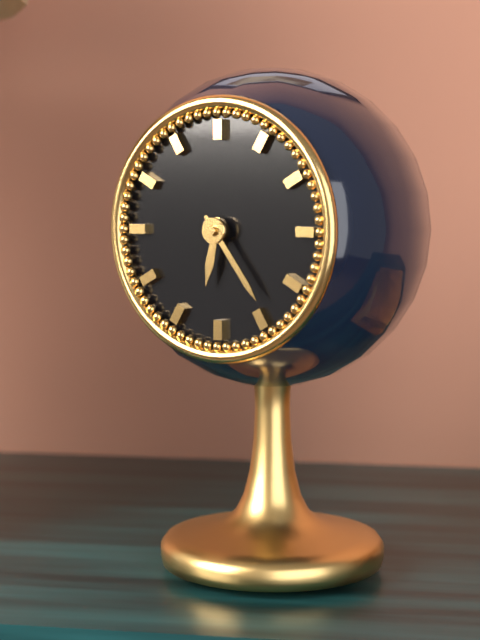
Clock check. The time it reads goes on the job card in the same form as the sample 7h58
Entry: 6h24
